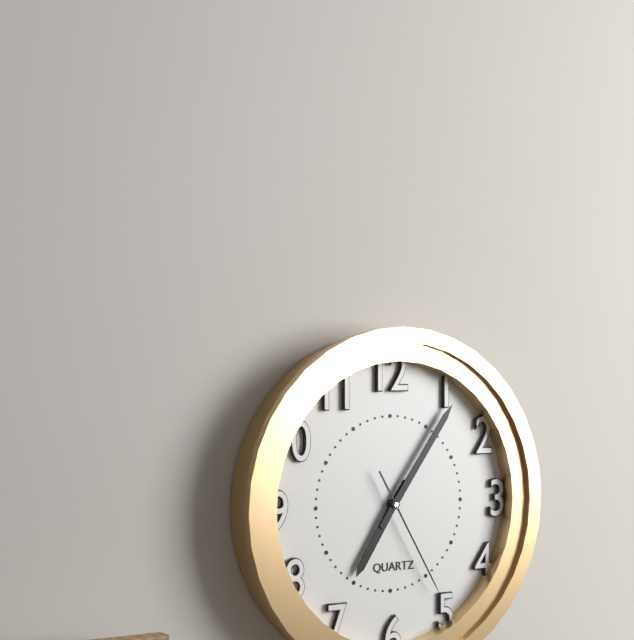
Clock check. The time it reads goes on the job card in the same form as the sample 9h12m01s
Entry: 7h06m25s
